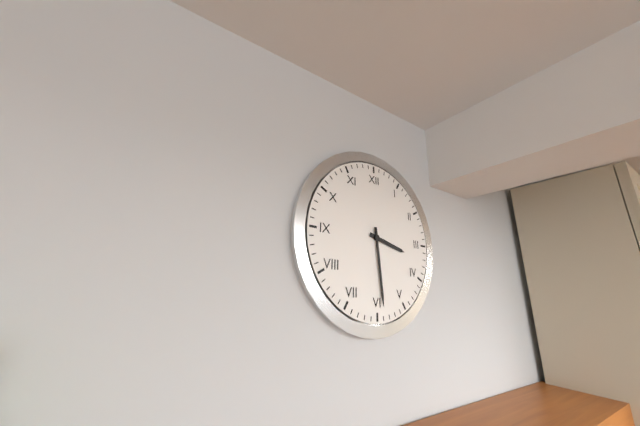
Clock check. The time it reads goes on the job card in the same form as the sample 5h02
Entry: 3h29
